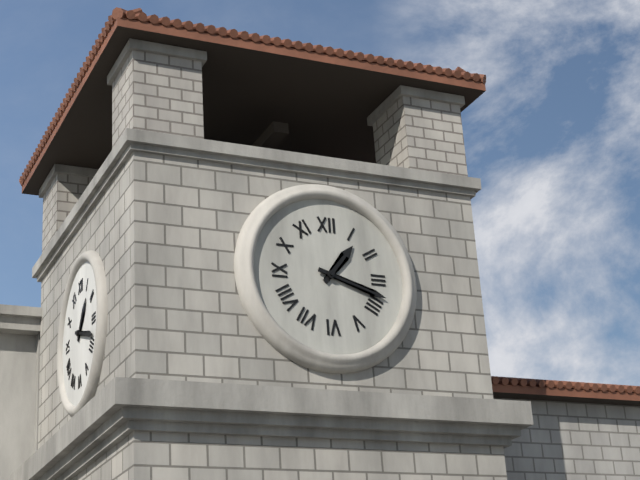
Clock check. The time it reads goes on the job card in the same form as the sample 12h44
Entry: 1h18
